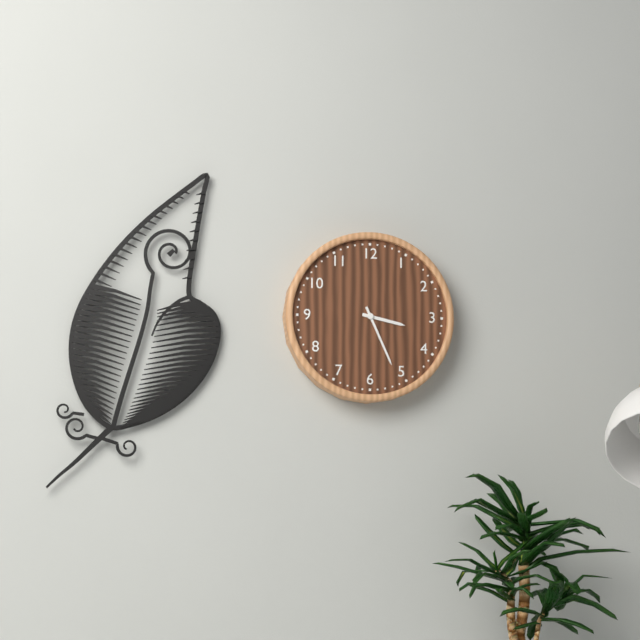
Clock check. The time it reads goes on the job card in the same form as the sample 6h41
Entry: 3h26
